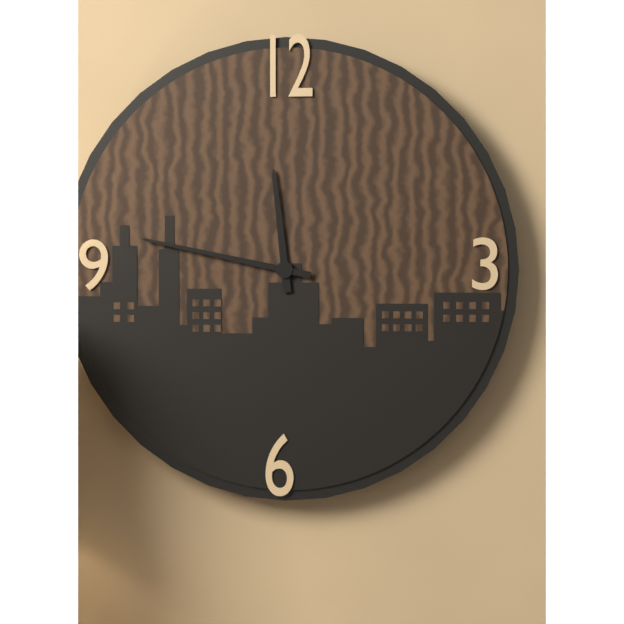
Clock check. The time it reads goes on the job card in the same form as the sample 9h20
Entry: 11h47
